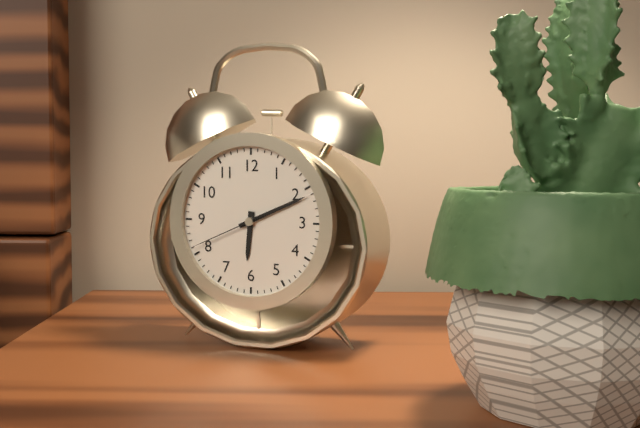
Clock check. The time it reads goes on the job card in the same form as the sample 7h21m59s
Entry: 6h11m41s
